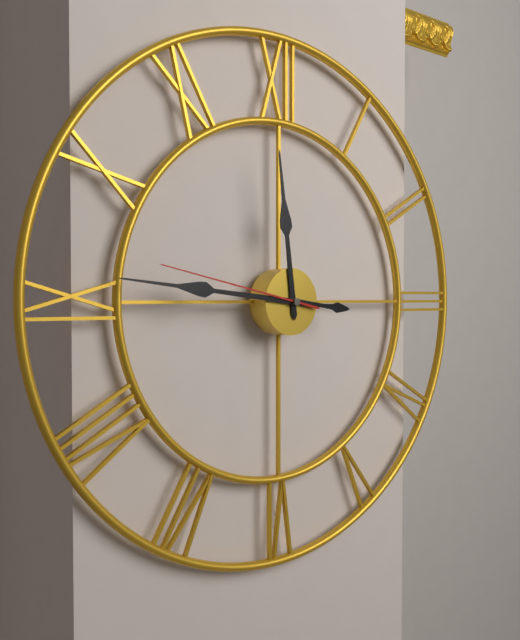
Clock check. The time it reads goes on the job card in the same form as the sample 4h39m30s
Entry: 11h46m47s
